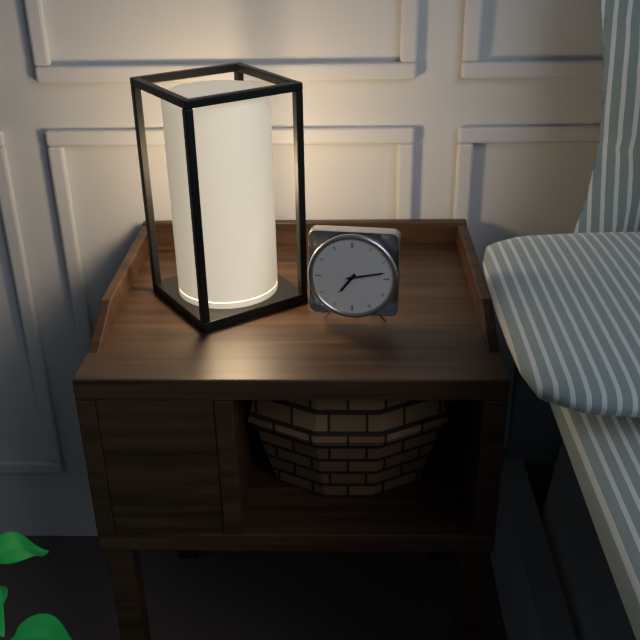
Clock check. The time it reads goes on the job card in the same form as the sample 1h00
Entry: 7h13
